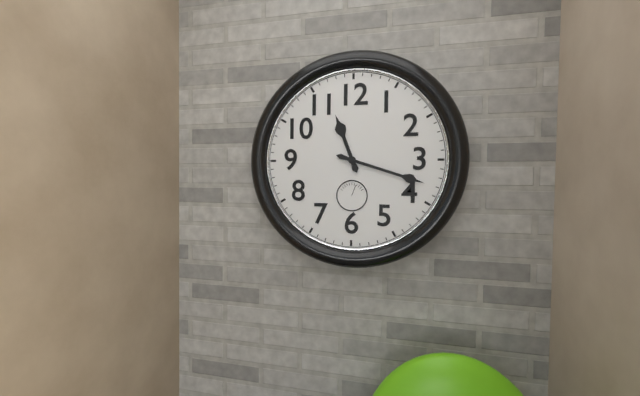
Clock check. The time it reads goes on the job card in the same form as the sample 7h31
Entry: 11h18
